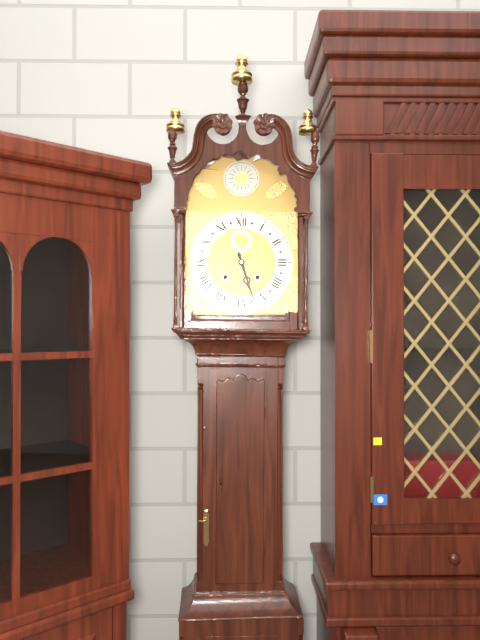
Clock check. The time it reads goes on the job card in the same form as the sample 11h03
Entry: 5h27
